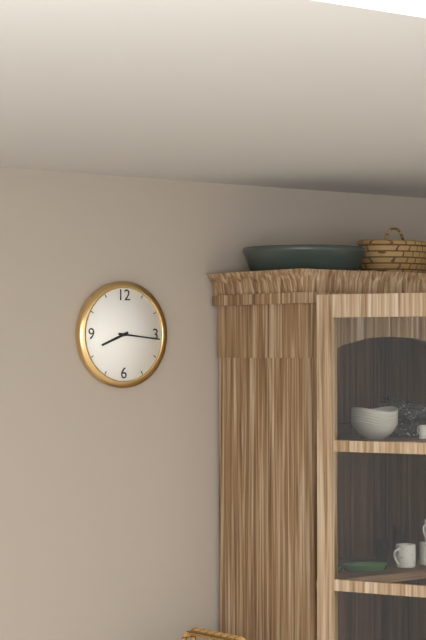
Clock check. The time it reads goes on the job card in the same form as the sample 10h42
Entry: 8h16
